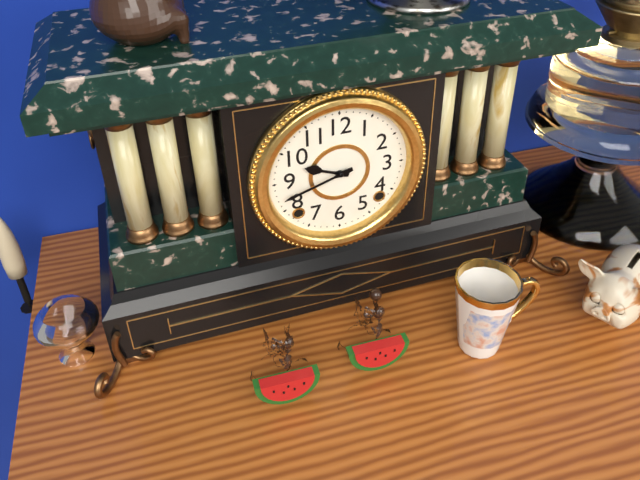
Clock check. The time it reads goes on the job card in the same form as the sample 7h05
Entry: 9h42
